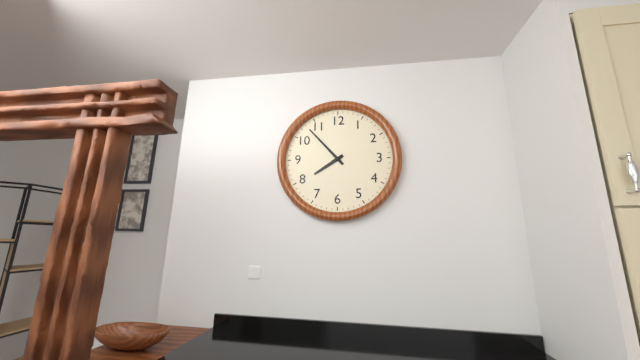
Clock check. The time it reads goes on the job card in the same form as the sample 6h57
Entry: 7h53
